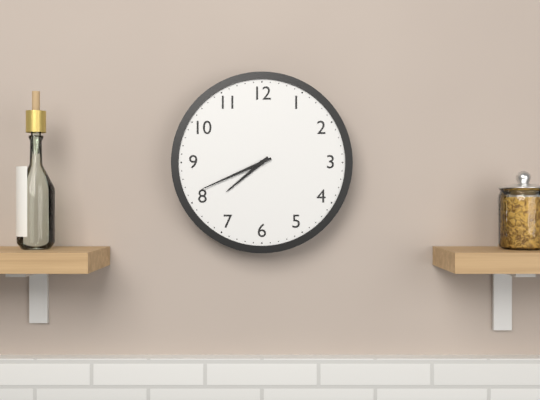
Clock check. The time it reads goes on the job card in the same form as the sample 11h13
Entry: 7h41
